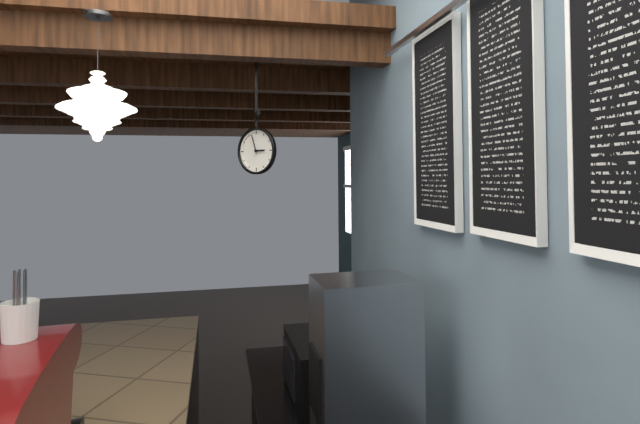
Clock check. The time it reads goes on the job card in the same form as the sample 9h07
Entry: 2h57
